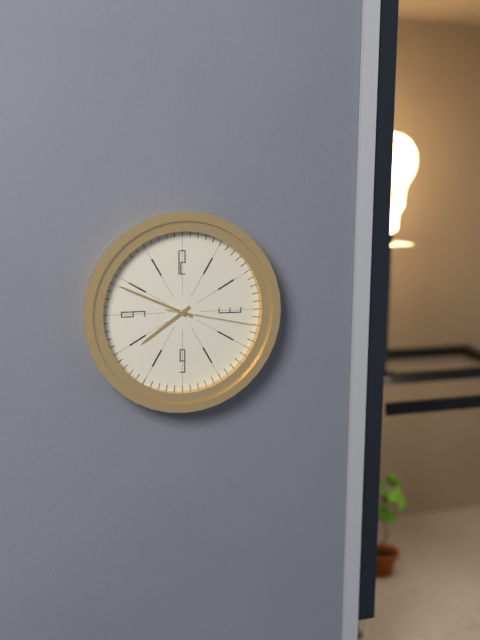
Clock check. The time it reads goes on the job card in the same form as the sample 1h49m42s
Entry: 7h49m17s
